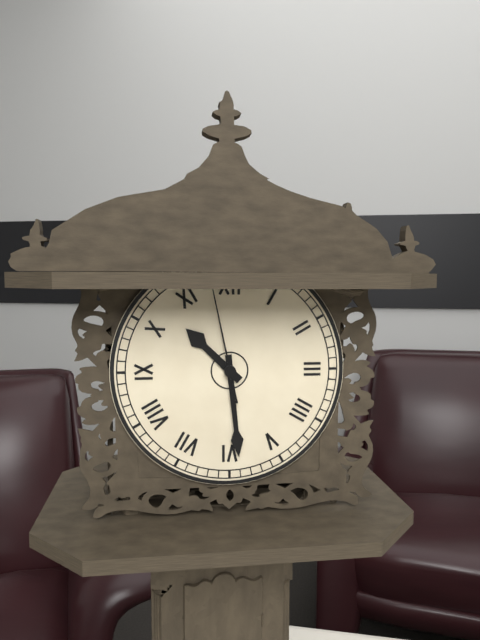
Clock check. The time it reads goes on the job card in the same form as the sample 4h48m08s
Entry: 10h29m58s
